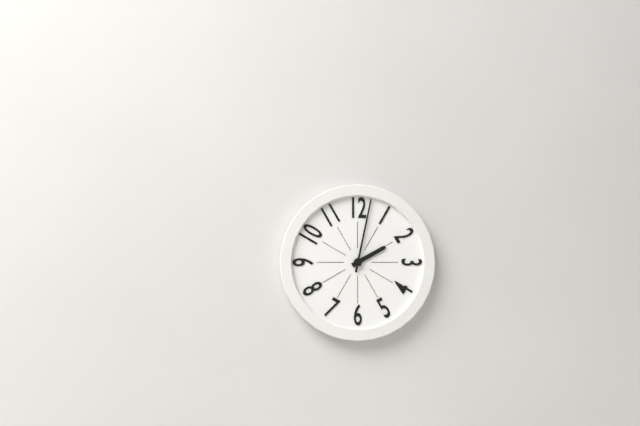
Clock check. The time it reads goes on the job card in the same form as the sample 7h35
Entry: 2h02
